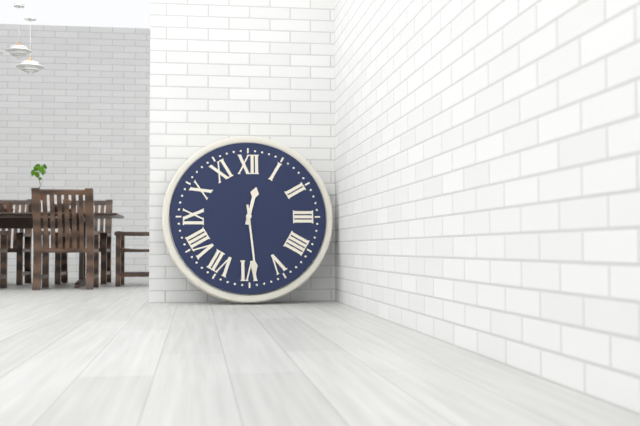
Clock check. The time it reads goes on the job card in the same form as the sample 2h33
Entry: 12h29
